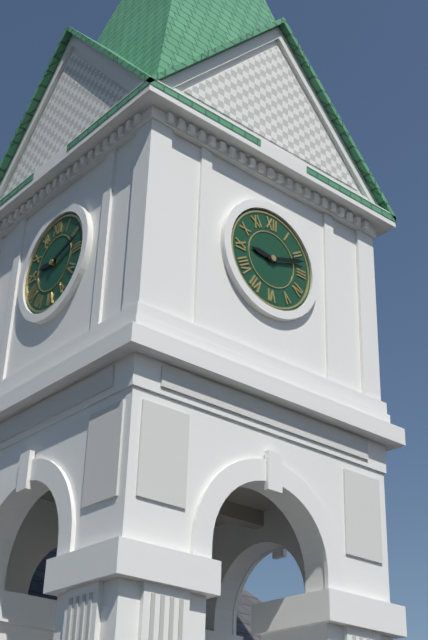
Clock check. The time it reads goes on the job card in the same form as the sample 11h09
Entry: 9h12
